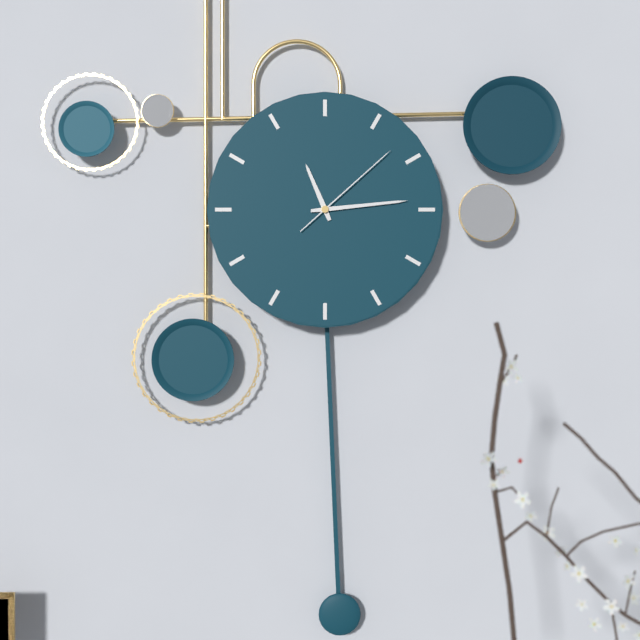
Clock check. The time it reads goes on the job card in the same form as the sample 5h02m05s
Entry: 11h14m08s
